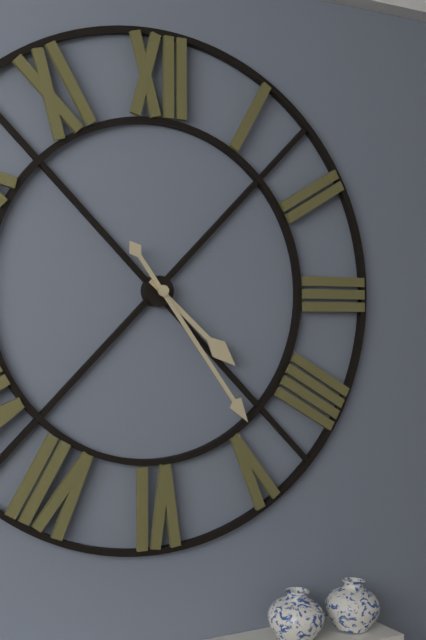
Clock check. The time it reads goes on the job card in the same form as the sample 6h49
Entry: 4h24
